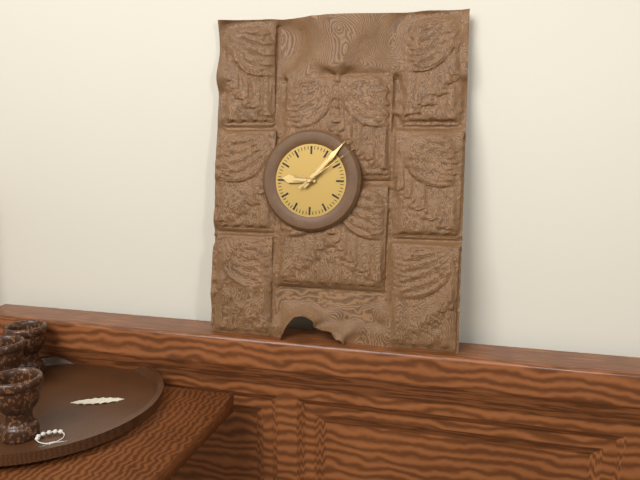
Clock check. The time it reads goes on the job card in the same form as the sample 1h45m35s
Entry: 9h07m09s
